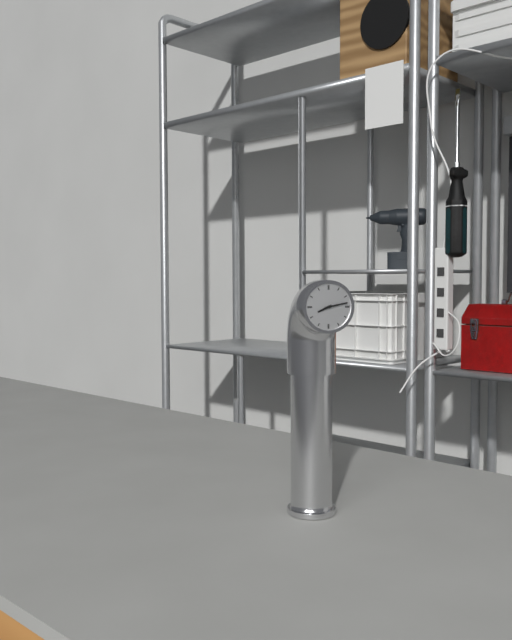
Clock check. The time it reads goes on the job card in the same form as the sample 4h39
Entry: 8h13
